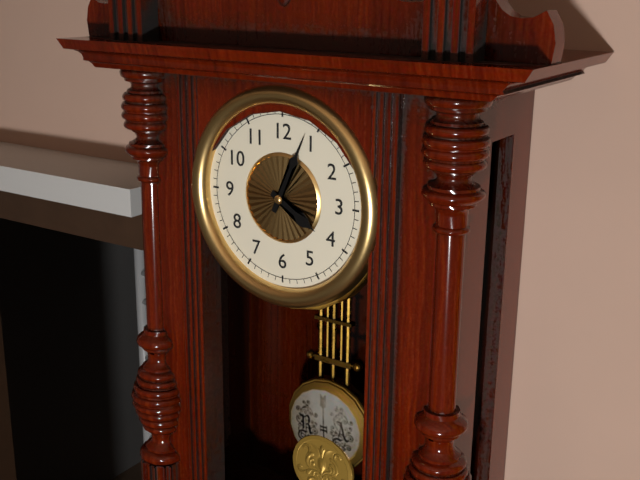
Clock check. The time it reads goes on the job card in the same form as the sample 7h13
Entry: 4h04
